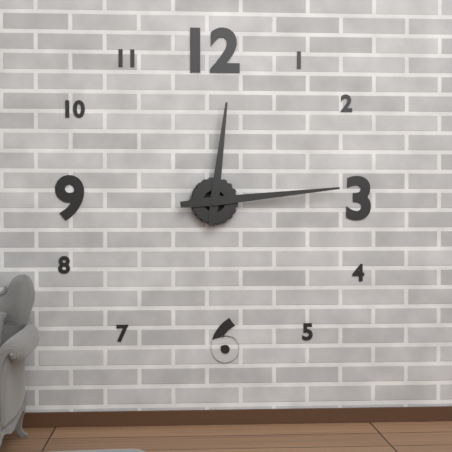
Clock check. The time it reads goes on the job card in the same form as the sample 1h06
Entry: 12h14
